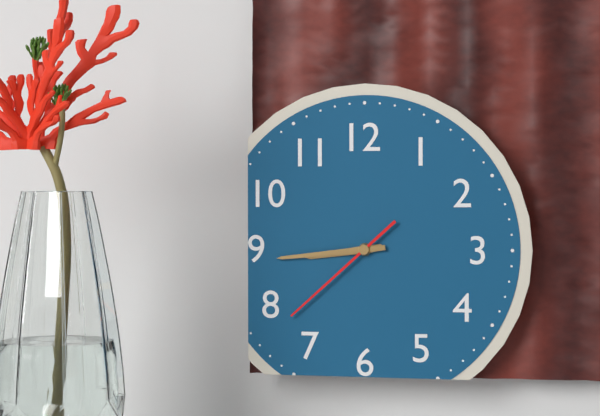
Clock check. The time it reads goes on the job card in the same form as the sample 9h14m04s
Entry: 8h44m38s
